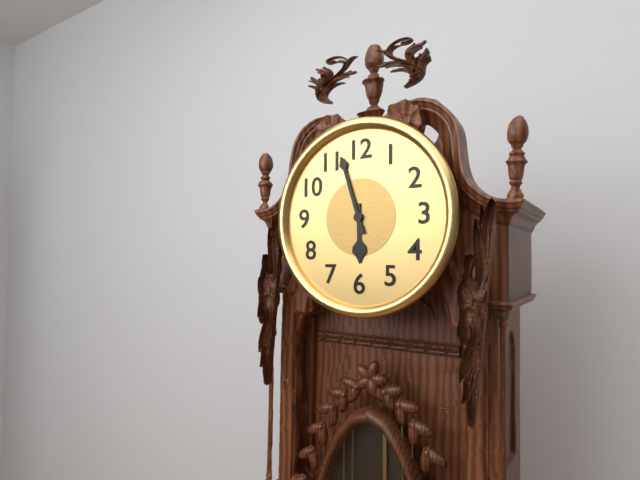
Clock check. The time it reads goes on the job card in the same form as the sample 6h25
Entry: 5h57
